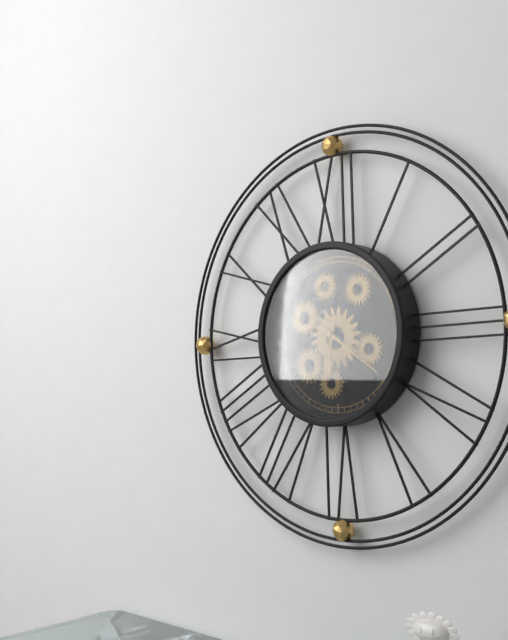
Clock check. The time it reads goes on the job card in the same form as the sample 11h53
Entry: 6h21
